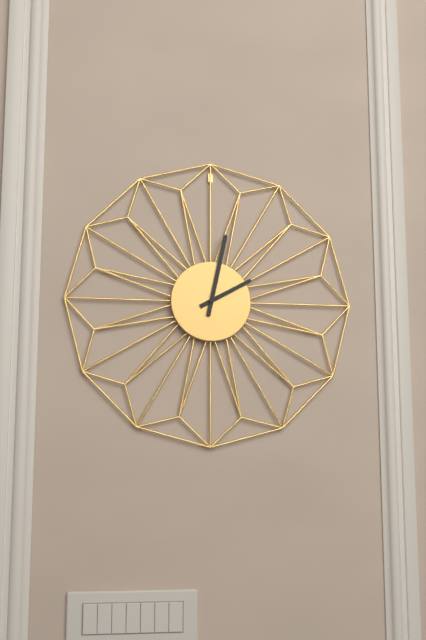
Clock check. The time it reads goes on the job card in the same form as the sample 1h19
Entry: 2h02
